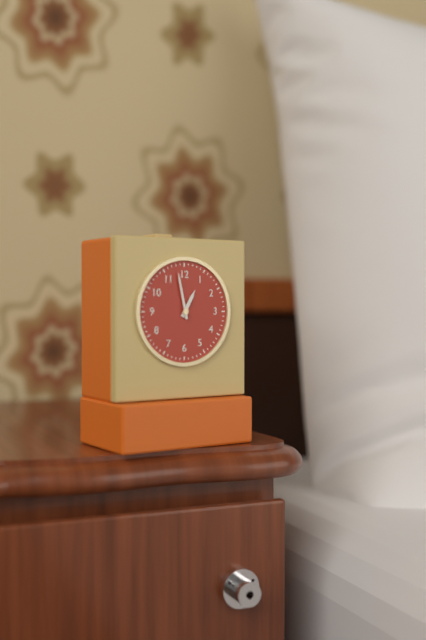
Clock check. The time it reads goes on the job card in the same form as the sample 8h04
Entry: 12h58
